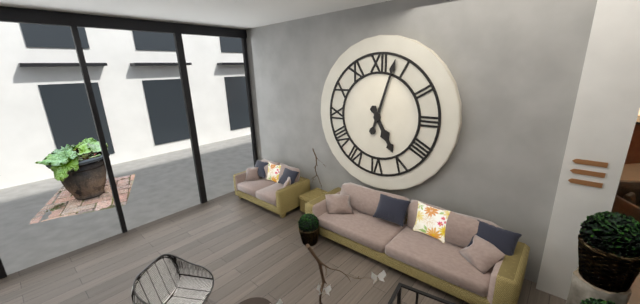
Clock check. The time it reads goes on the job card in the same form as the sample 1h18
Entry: 5h03
